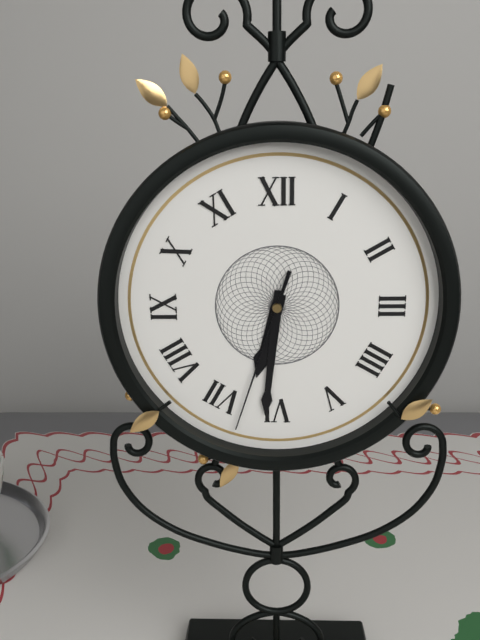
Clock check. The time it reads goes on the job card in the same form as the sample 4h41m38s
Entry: 6h31m33s
